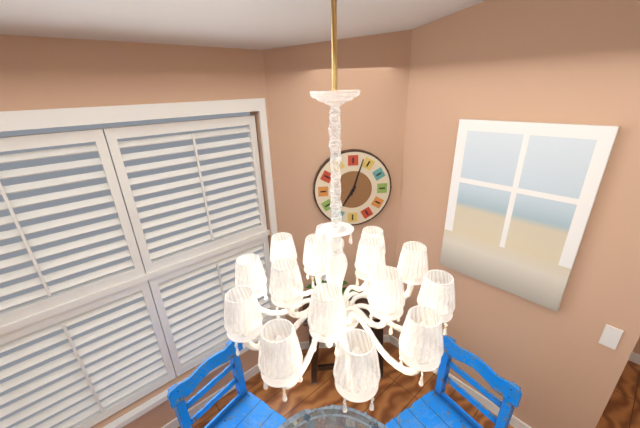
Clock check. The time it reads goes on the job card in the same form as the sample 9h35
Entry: 7h03
